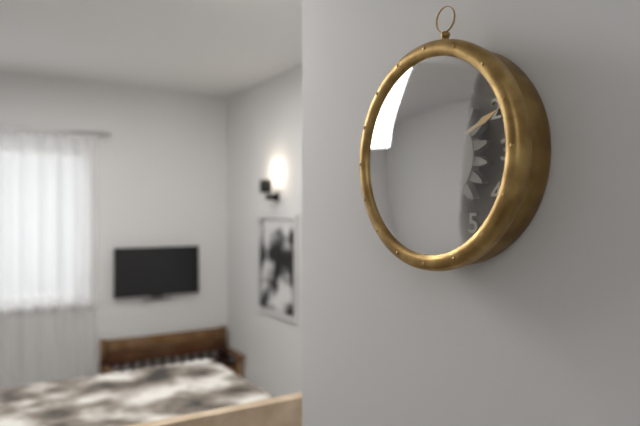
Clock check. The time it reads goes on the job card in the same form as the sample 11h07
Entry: 6h11
